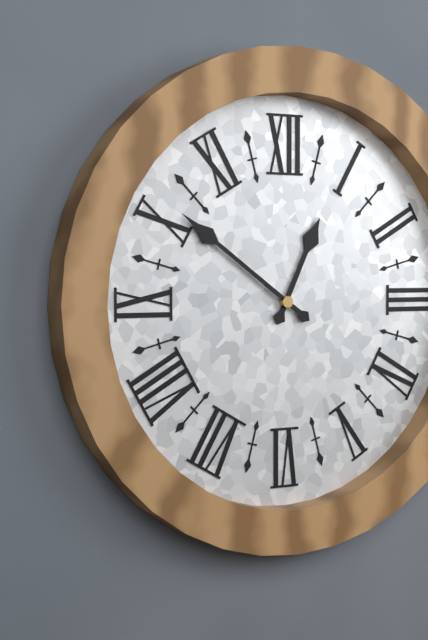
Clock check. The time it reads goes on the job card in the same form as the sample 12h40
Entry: 12h51
